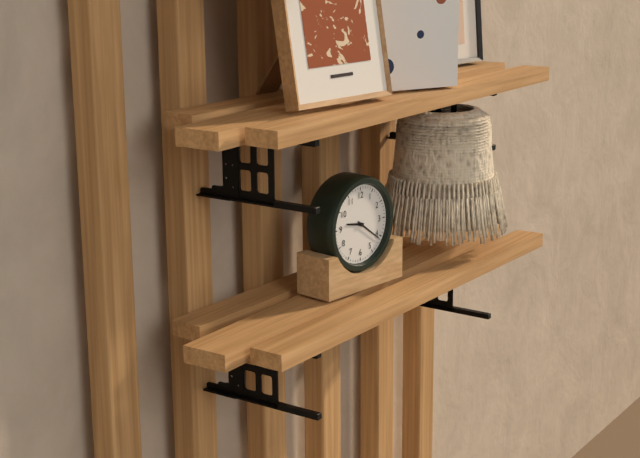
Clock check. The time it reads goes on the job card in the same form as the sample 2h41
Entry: 9h21
